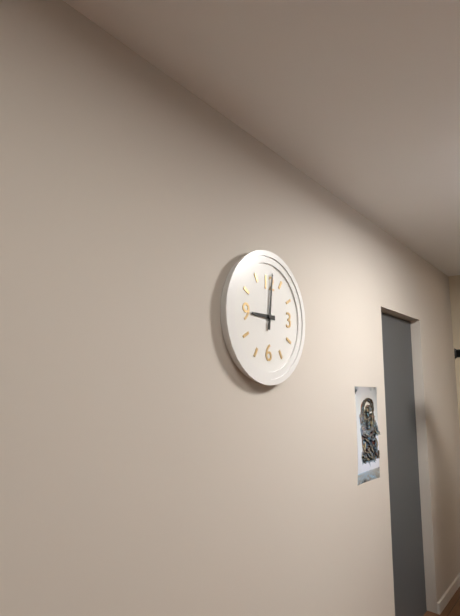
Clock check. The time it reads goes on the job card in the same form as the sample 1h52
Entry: 9h01
